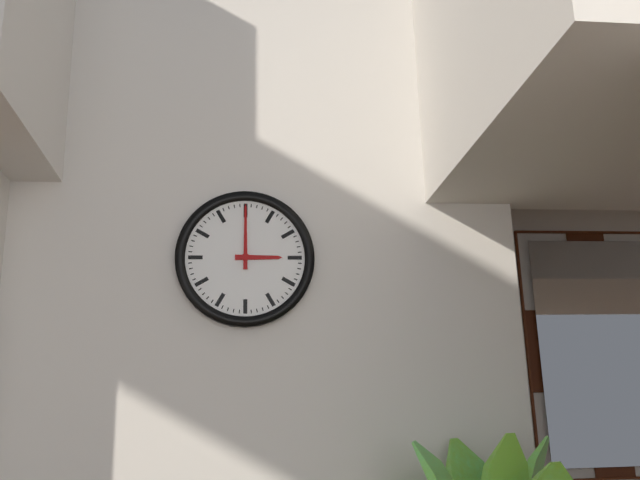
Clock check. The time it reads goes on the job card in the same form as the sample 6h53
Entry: 3h00
